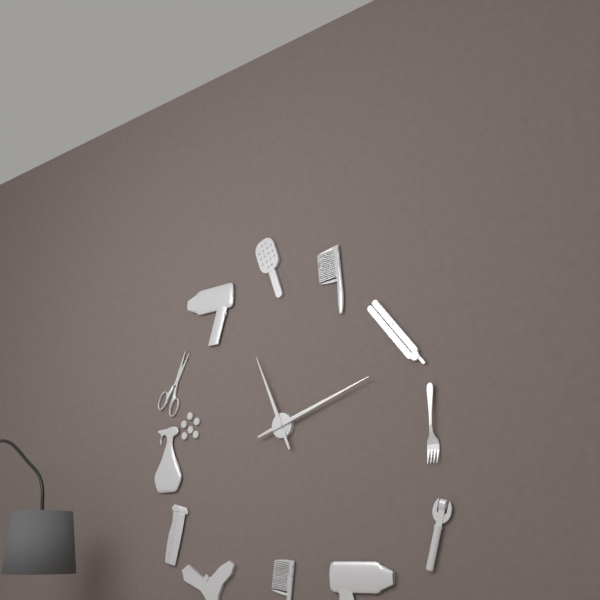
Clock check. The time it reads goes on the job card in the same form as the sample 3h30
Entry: 11h12
